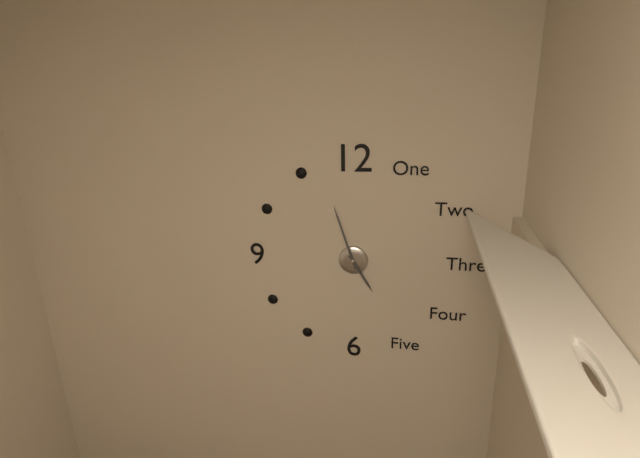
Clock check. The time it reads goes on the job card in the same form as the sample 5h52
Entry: 4h57
